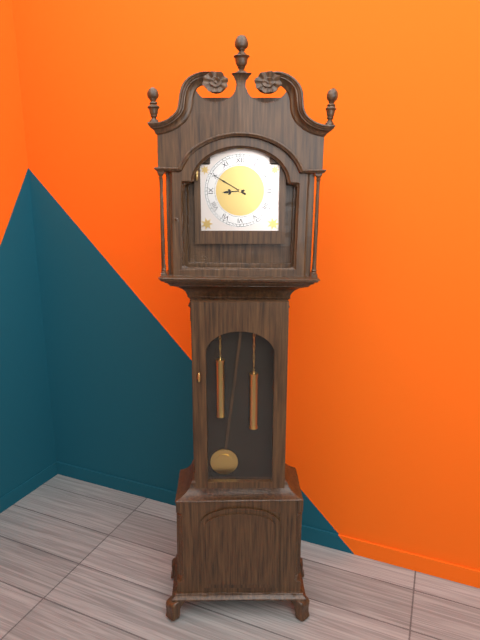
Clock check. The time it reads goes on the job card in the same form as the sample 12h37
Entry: 8h50
